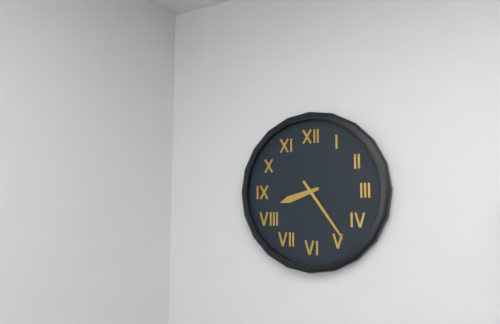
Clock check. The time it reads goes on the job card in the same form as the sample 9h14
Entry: 8h24
